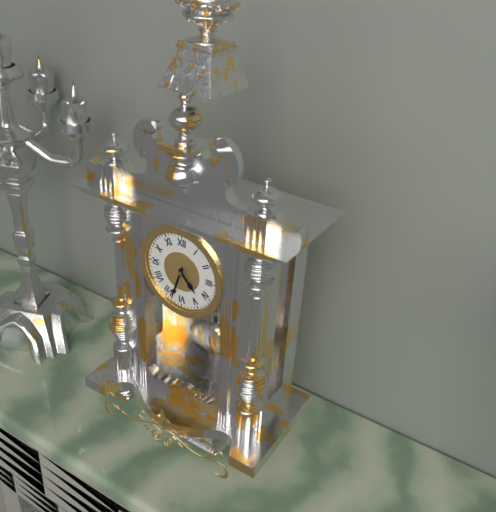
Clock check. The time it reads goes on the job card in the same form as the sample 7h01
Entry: 4h33
